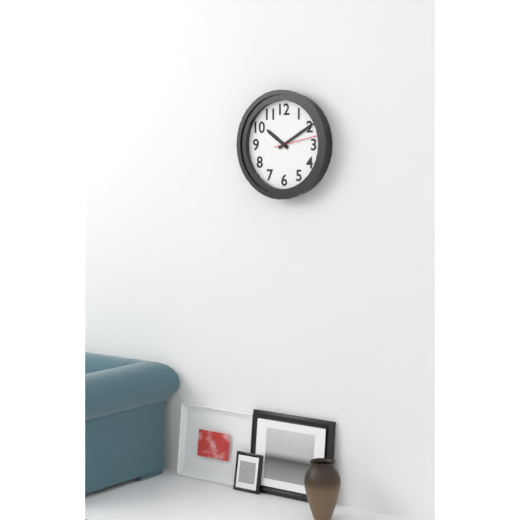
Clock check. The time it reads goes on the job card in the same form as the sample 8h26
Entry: 10h10
